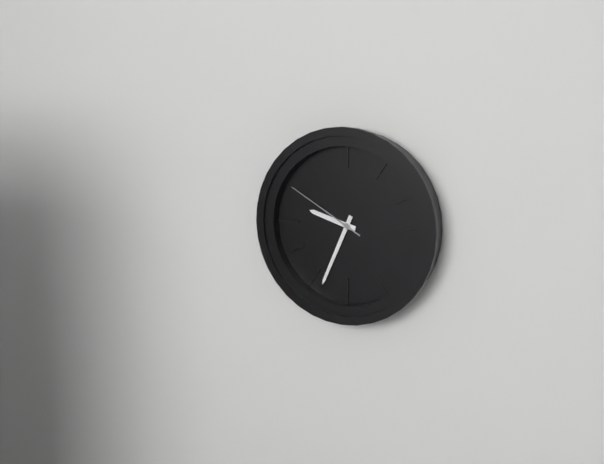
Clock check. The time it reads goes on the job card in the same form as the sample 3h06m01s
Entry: 9h34m50s
